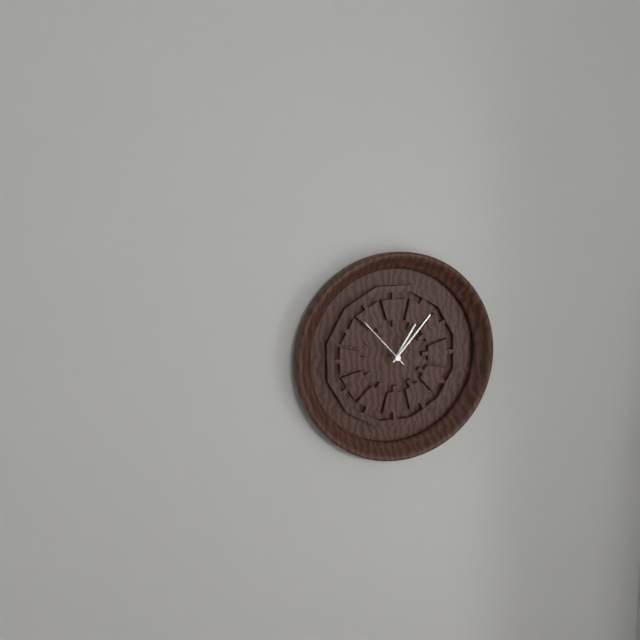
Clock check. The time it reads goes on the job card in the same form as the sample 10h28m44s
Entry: 1h07m53s
